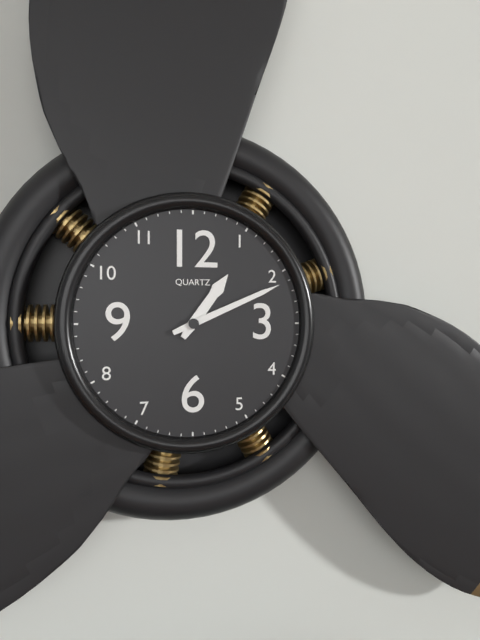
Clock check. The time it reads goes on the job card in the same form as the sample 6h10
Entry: 1h11
